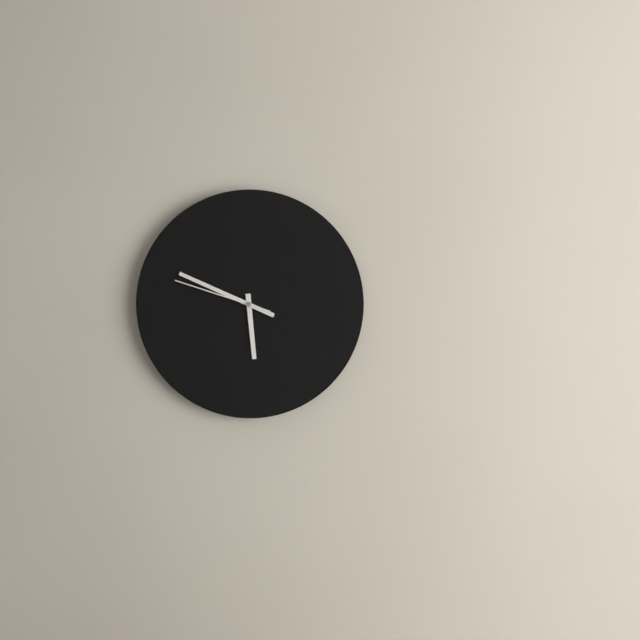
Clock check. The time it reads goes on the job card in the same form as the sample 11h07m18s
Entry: 5h49m48s
